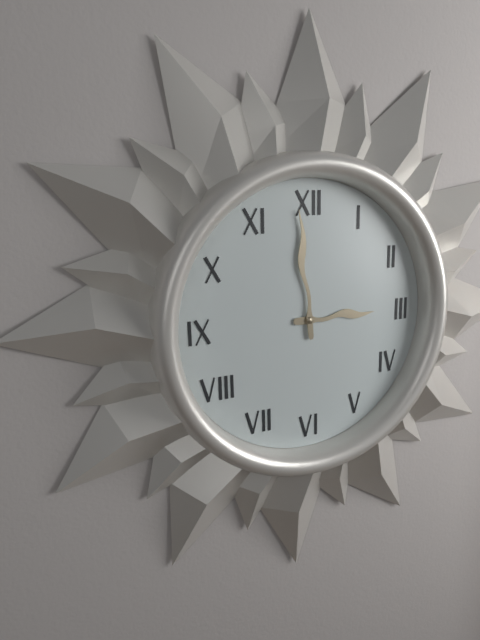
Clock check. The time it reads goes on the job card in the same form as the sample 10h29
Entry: 2h59
